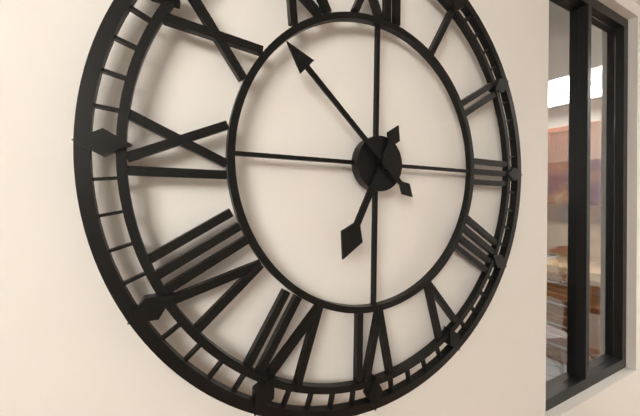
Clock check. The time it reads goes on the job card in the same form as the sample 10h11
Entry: 6h52
